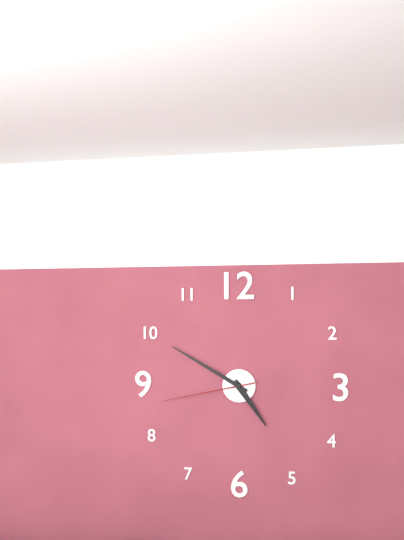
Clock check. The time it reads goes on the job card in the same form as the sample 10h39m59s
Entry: 4h50m43s
